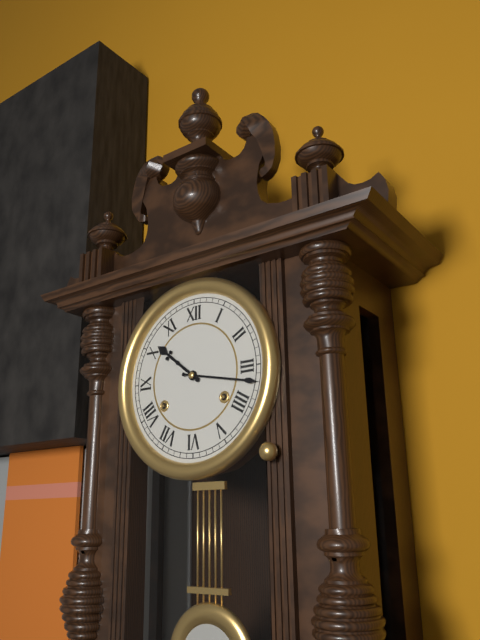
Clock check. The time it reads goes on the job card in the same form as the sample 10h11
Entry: 10h17
